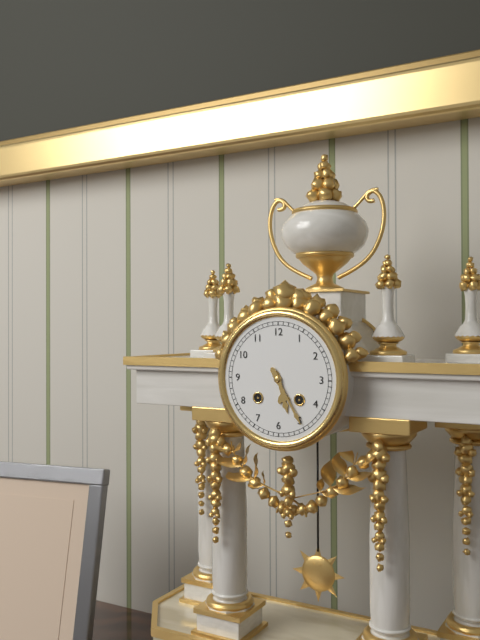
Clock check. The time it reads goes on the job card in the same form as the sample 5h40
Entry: 5h25
